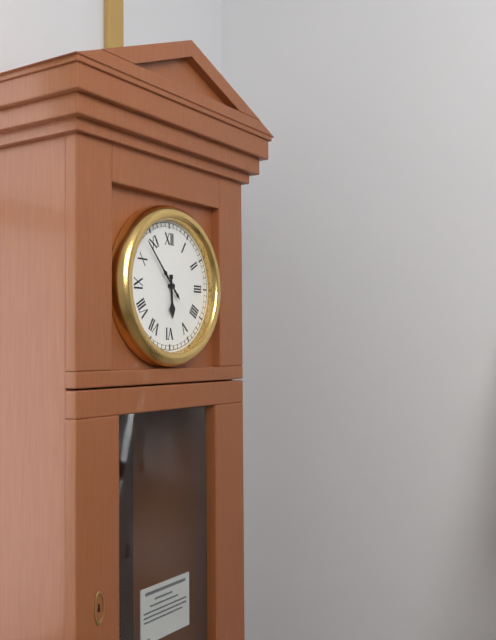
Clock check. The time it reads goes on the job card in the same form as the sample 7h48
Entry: 5h53
